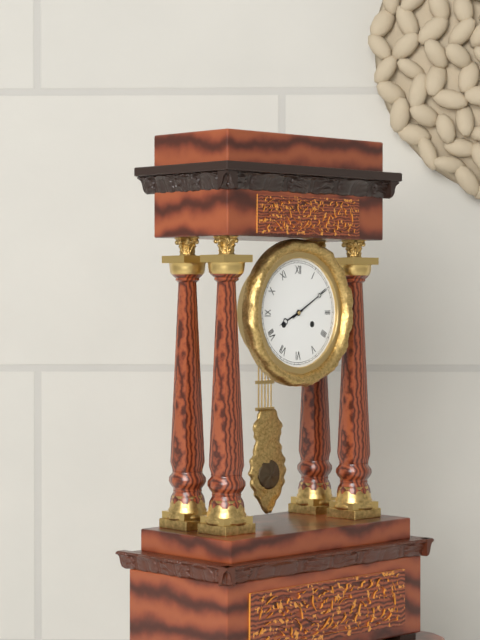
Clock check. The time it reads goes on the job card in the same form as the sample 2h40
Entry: 8h10
